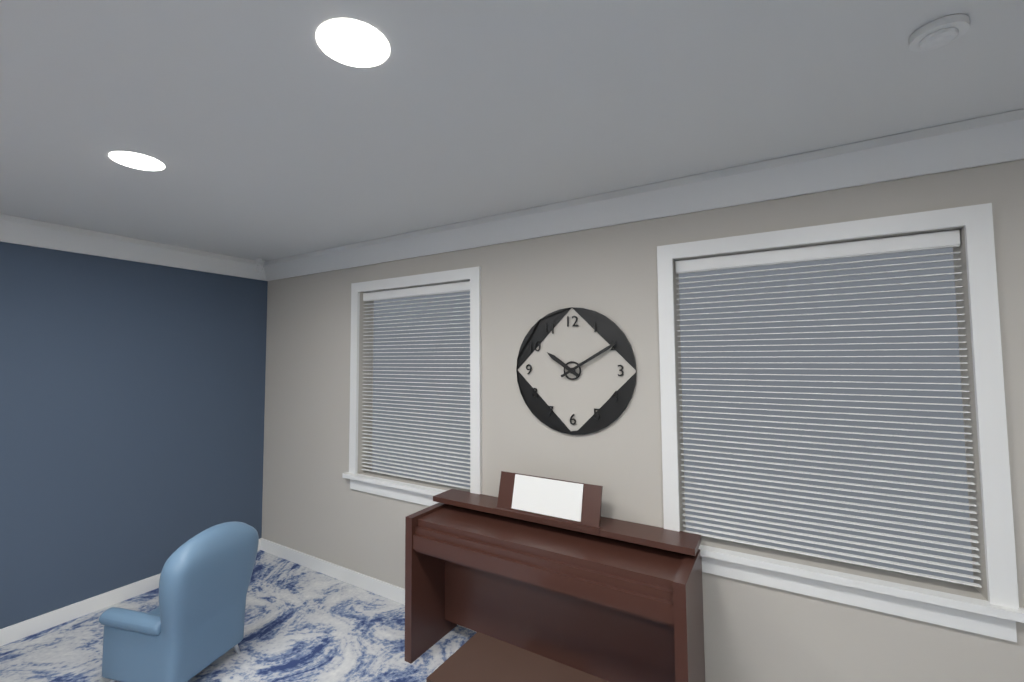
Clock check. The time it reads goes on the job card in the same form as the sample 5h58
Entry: 10h10
